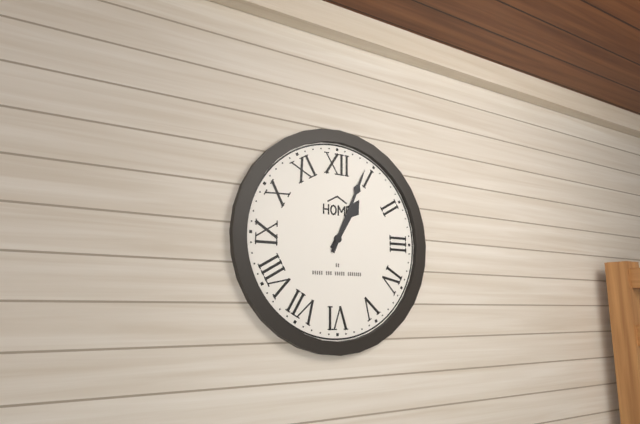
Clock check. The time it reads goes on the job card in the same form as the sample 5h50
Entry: 1h04
